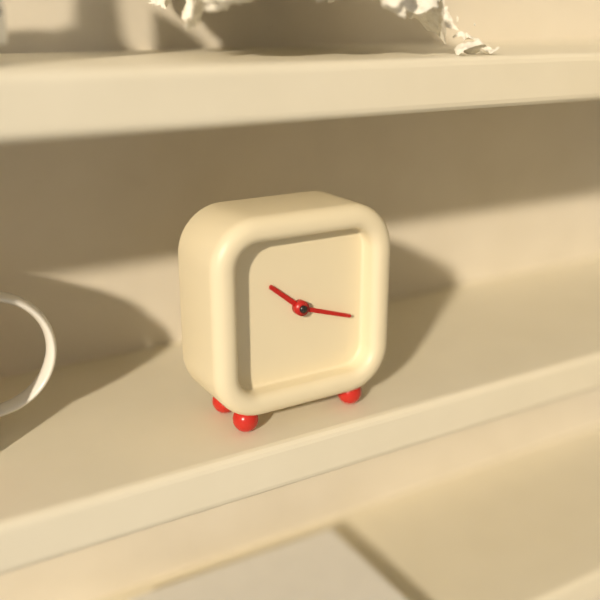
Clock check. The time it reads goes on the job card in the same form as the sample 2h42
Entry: 10h18
